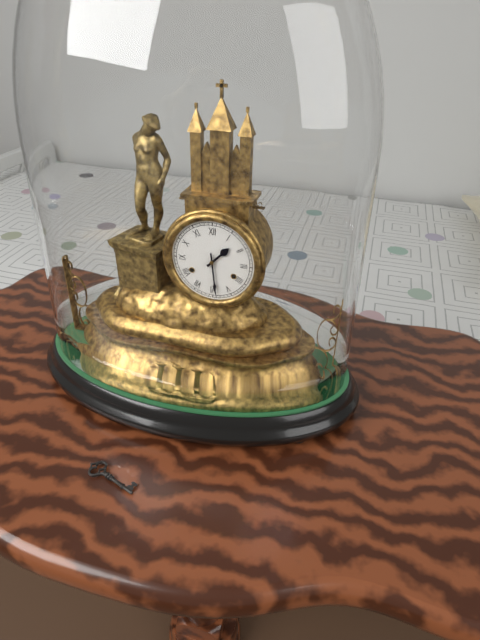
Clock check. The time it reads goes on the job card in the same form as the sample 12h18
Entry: 1h29
